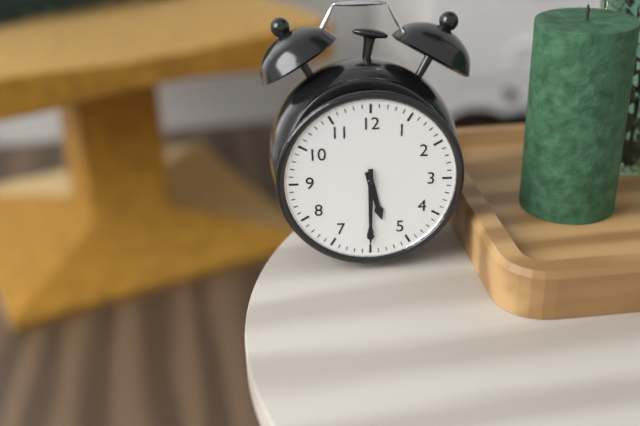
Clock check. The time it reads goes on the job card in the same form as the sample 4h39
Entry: 5h30
